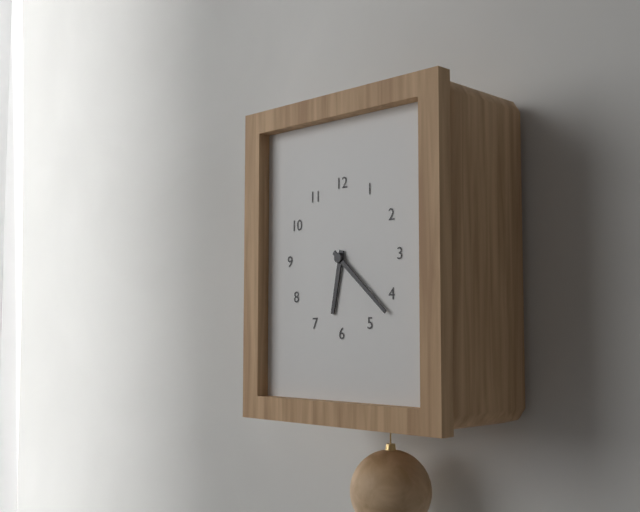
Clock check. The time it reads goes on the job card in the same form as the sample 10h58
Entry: 6h22
